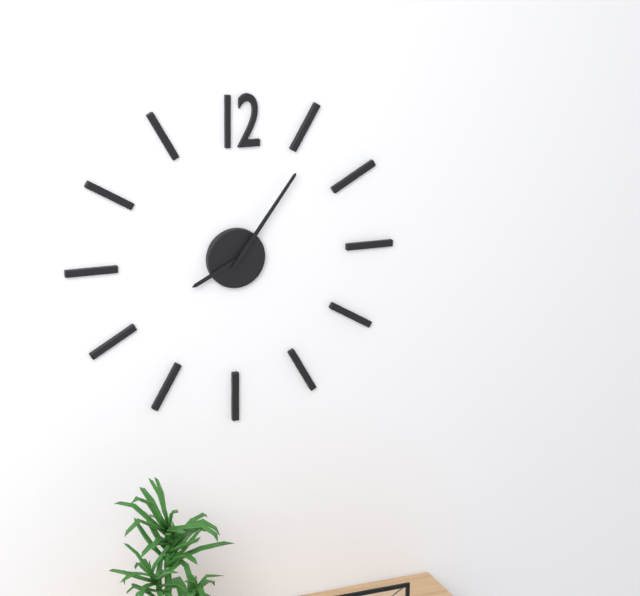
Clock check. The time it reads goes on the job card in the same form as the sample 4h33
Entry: 8h06
